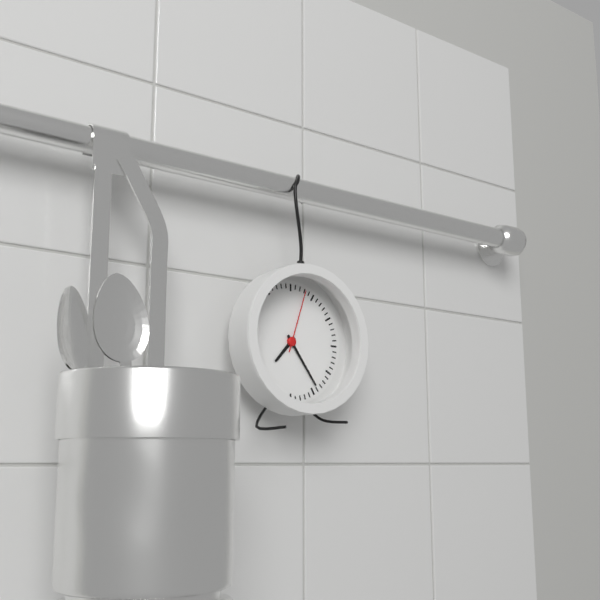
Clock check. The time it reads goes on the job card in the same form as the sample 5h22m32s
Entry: 7h24m03s
